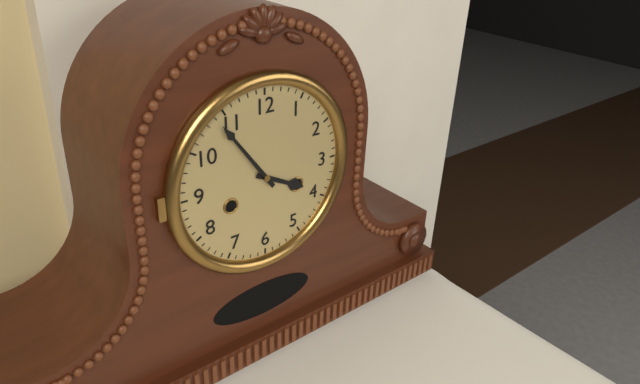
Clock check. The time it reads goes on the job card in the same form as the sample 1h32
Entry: 3h54
